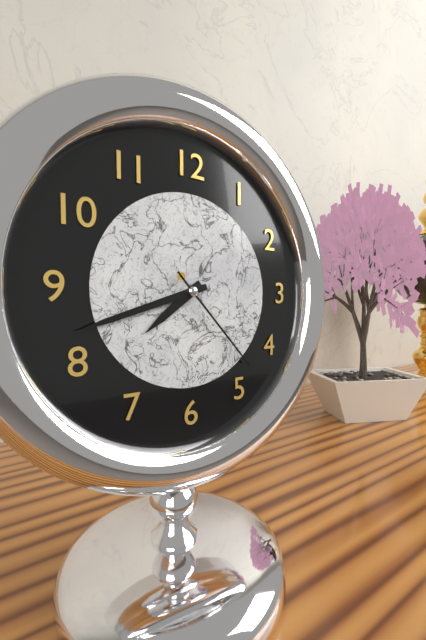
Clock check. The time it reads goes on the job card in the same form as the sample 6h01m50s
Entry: 7h42m23s
